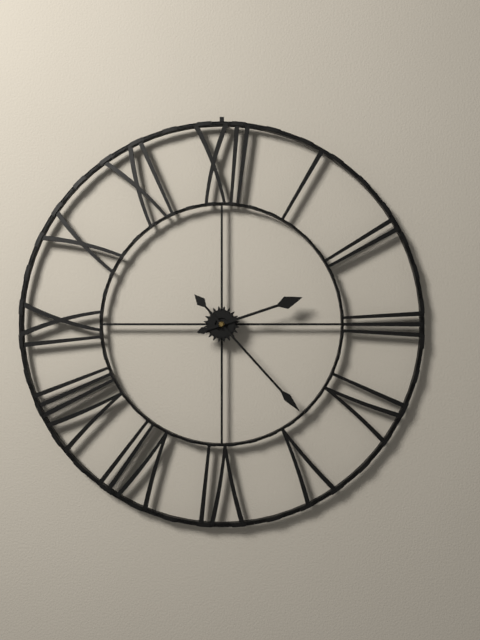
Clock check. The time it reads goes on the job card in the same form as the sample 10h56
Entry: 2h23
